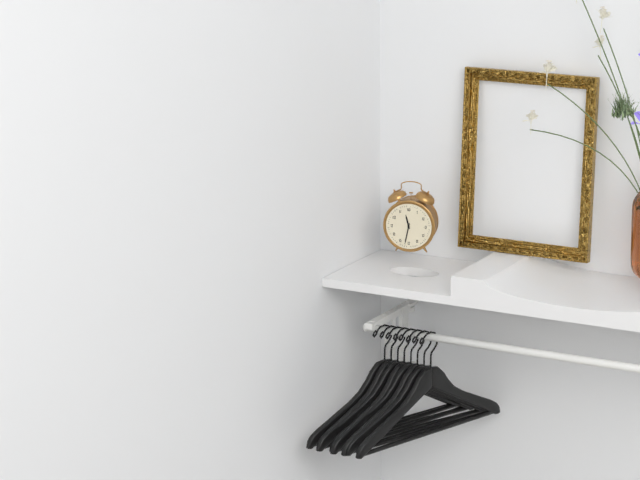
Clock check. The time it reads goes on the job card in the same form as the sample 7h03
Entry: 11h32
